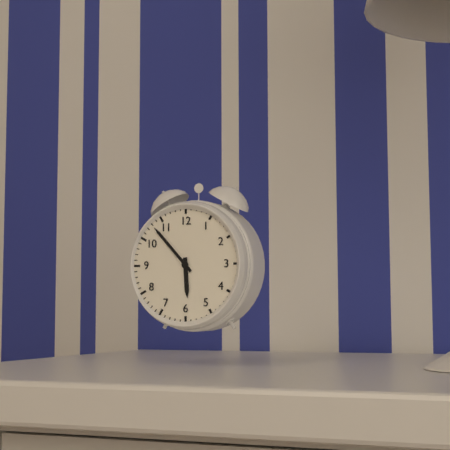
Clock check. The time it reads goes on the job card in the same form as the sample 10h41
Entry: 5h53
